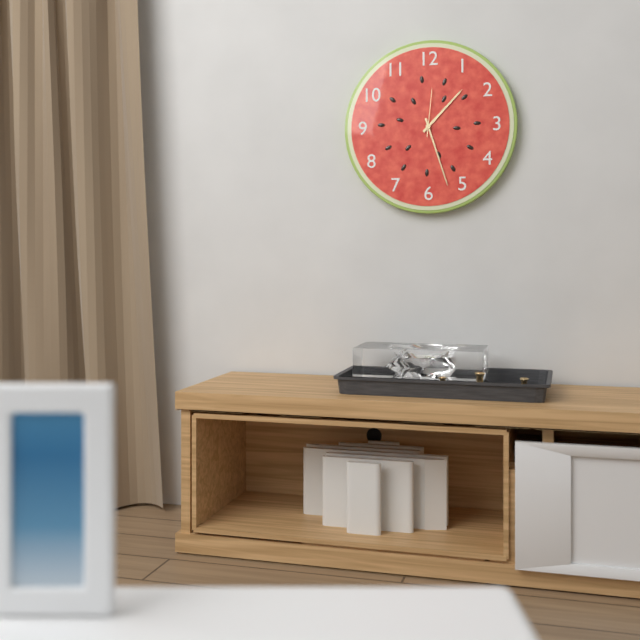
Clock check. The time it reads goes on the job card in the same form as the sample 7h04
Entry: 1h27
